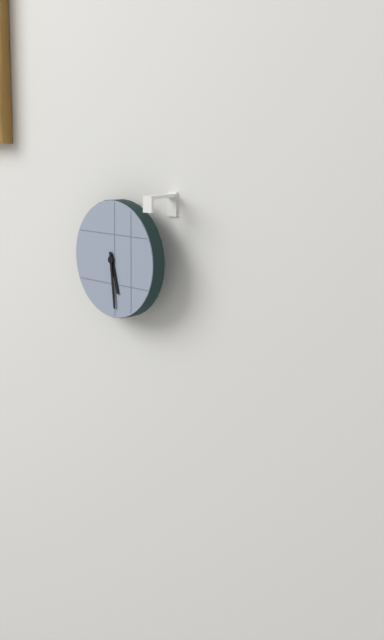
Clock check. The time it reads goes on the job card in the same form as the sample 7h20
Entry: 5h29
